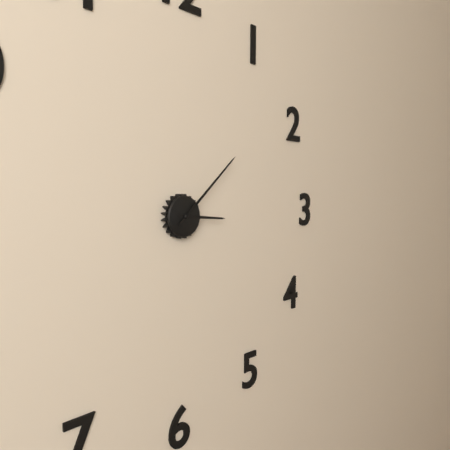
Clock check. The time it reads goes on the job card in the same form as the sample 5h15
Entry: 3h08
